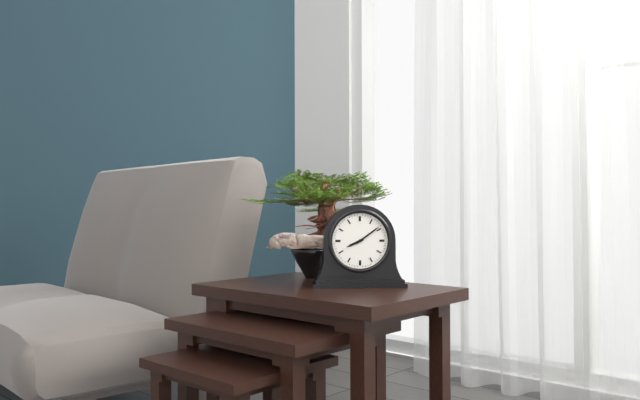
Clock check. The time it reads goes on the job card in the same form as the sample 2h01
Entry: 8h09
